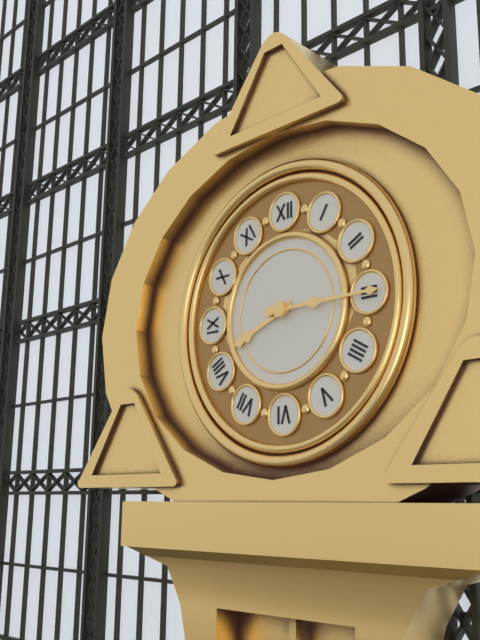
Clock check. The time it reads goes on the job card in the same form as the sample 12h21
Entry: 8h15
